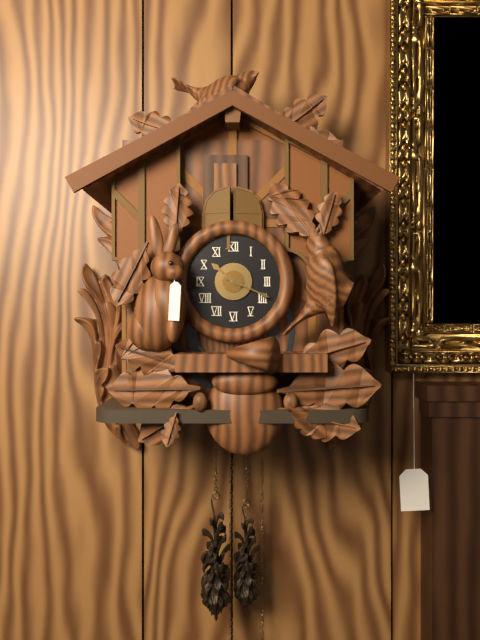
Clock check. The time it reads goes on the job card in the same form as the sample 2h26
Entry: 10h19
